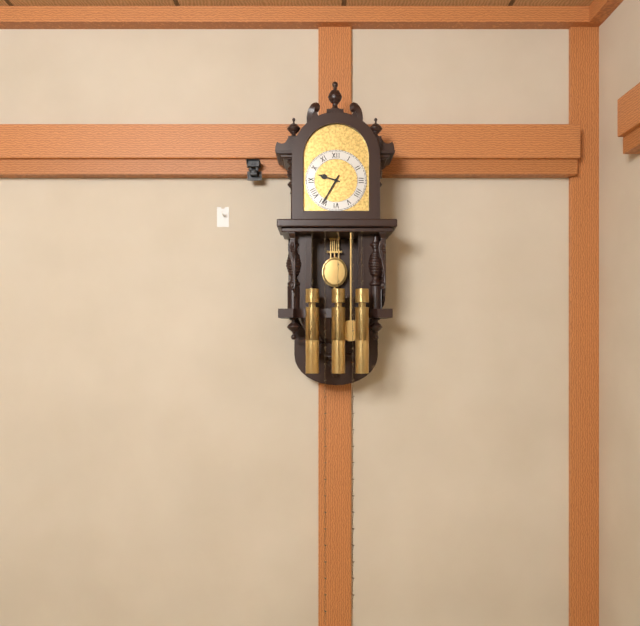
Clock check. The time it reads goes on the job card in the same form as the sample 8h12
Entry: 9h35
